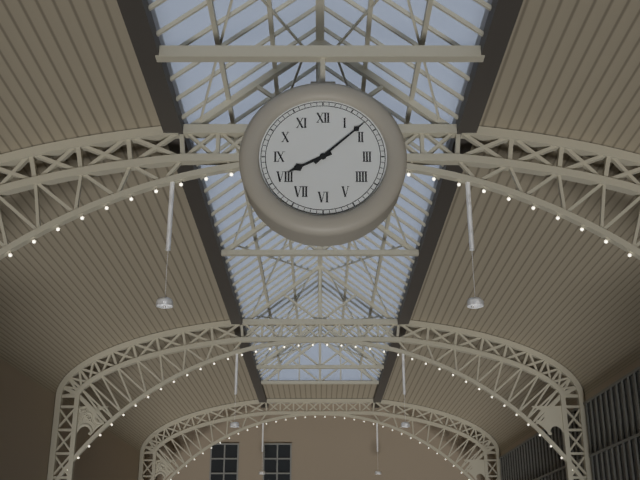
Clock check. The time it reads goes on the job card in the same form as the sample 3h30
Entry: 8h08
